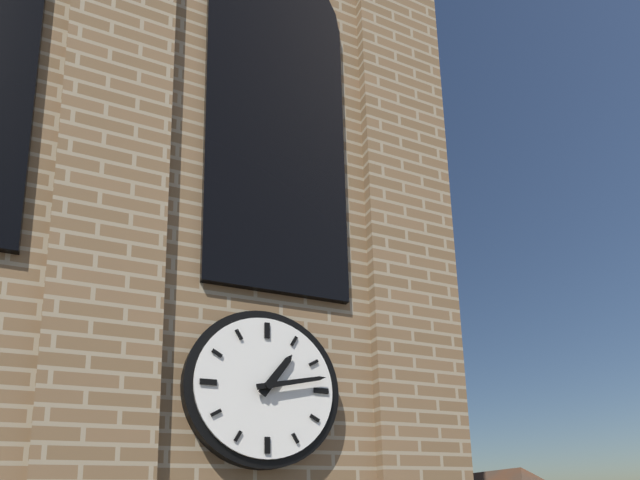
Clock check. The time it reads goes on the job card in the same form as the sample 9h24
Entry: 1h13
